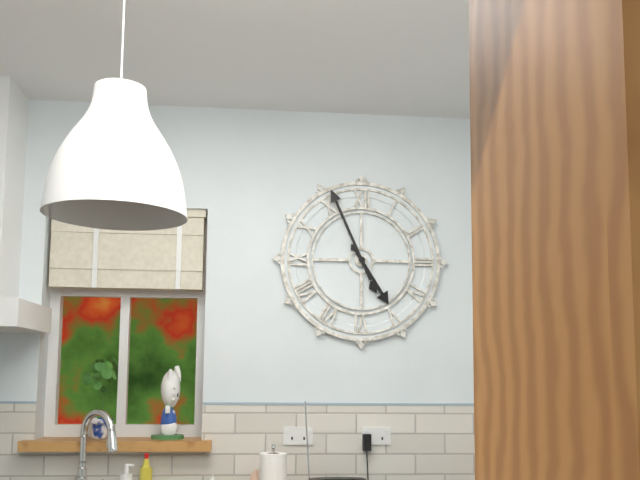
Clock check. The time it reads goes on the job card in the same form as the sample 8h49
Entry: 4h56
